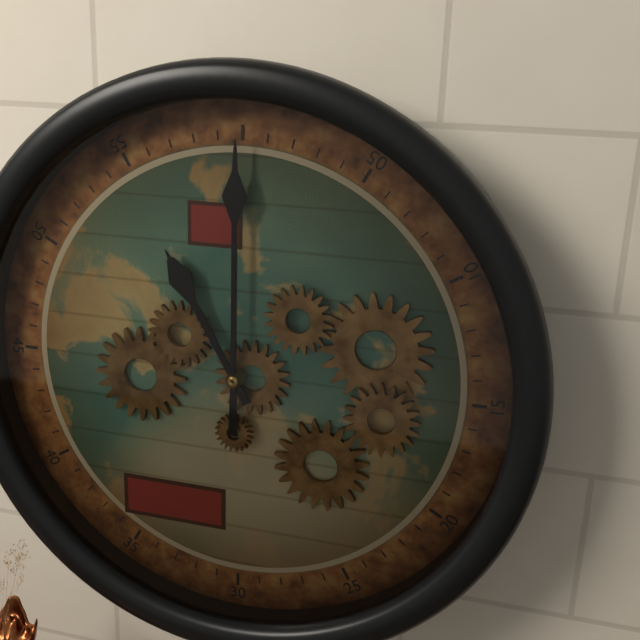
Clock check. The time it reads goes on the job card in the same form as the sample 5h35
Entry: 11h00
